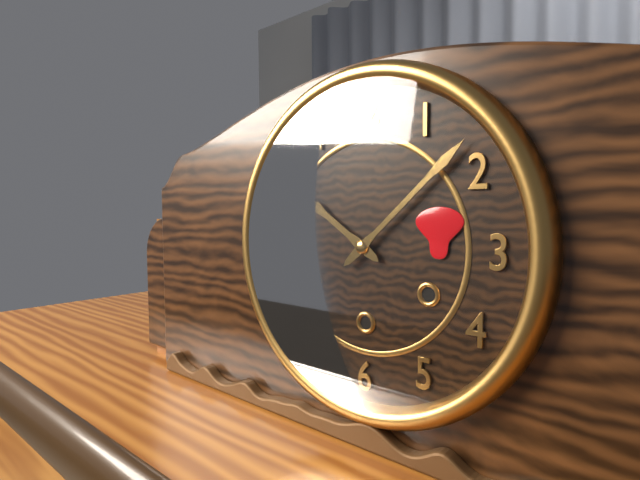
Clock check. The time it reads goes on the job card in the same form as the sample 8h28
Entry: 10h08
